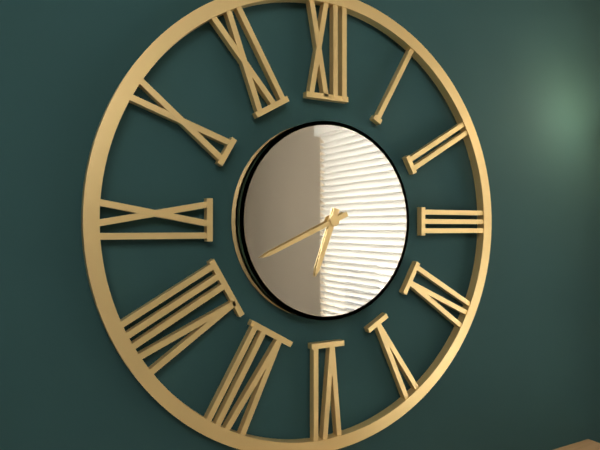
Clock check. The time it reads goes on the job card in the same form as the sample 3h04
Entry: 6h41
